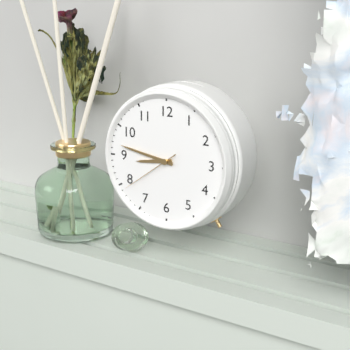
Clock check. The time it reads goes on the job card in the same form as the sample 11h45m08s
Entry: 8h47m39s
